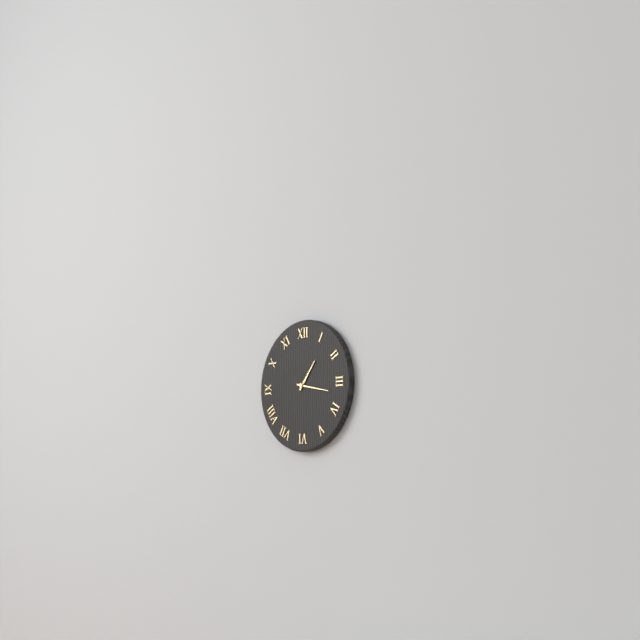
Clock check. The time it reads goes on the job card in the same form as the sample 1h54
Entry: 1h17
